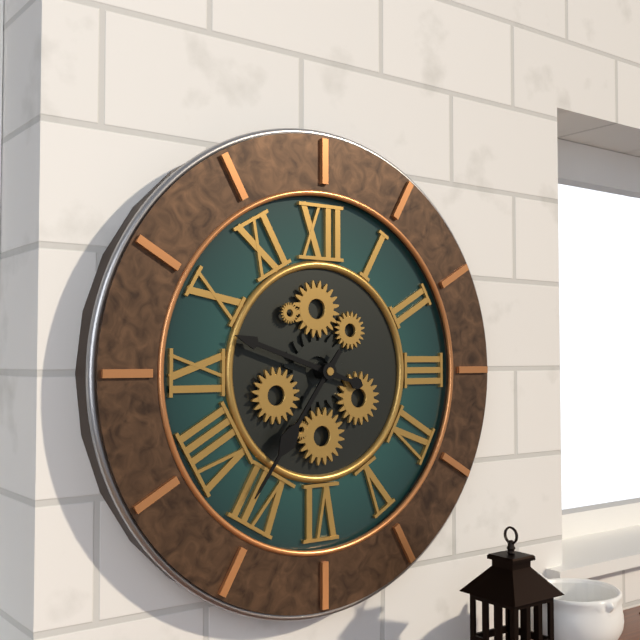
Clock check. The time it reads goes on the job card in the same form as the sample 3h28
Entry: 9h36
